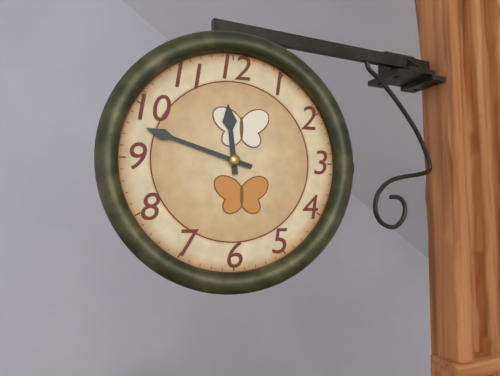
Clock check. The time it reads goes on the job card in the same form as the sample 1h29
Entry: 11h48
